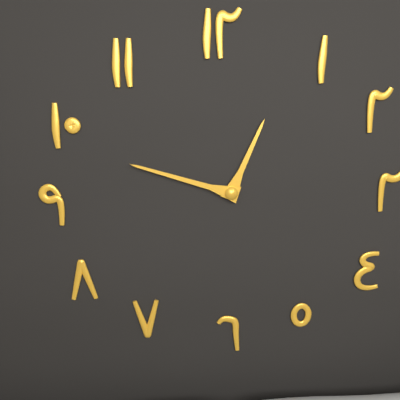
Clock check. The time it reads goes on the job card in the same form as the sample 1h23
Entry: 12h48
